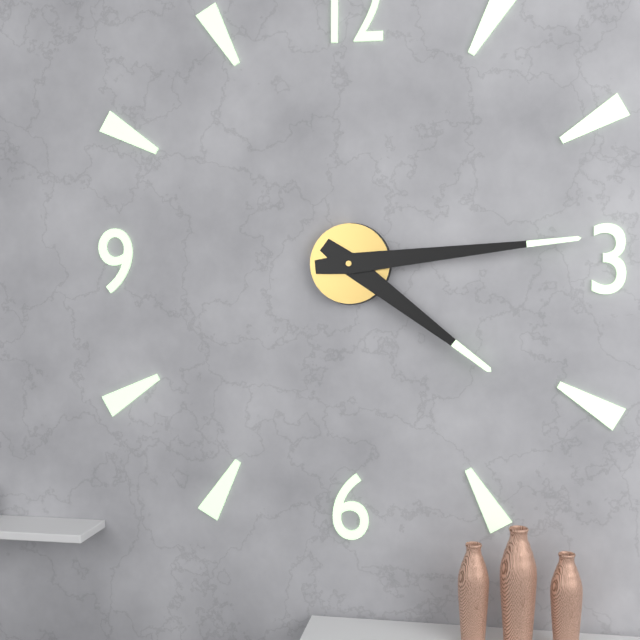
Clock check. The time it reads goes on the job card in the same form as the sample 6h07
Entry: 4h14
